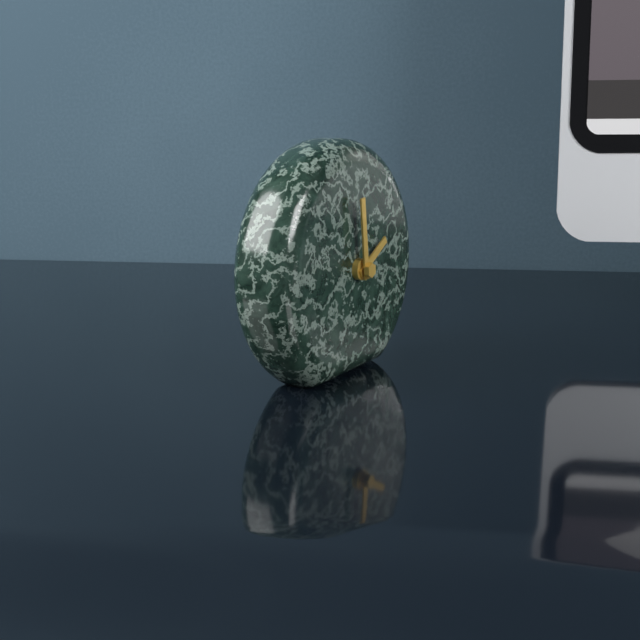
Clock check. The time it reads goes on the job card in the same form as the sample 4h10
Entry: 1h59
